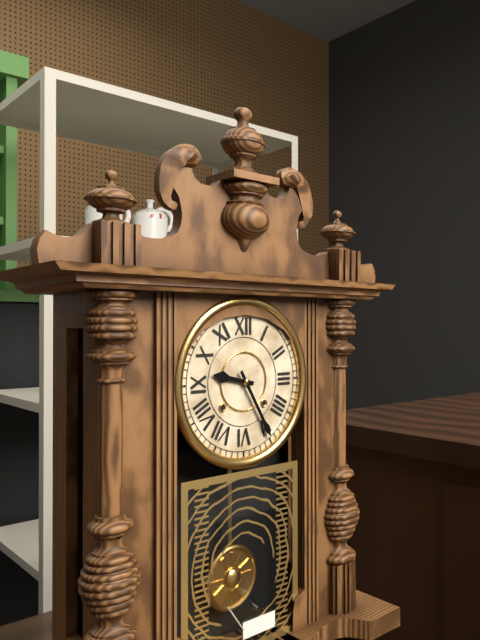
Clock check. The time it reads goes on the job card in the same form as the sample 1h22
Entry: 9h25
